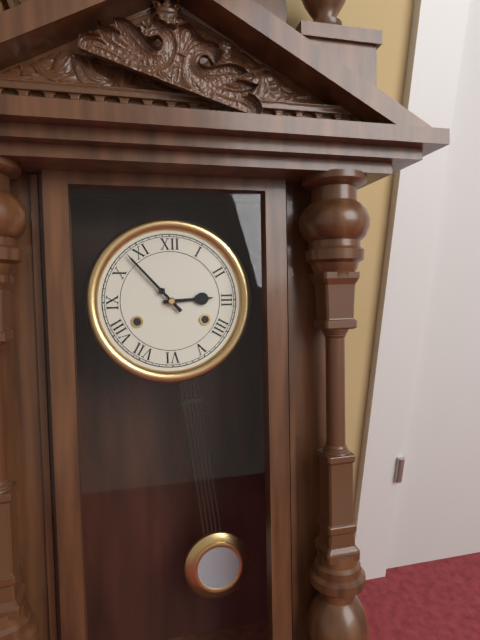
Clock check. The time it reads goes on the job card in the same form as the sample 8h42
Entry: 2h53
